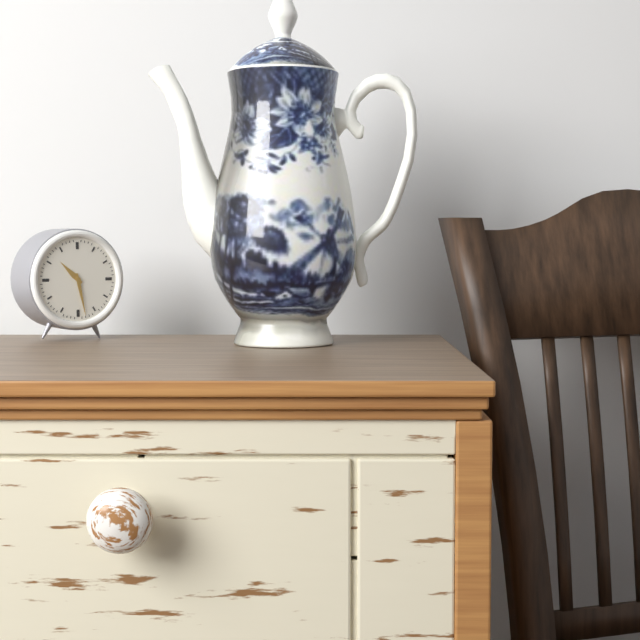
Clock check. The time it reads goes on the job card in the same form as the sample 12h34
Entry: 10h28
